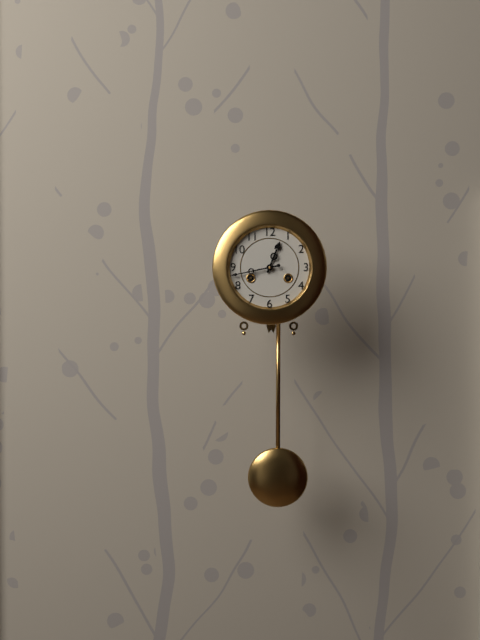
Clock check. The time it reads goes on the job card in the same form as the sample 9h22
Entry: 12h43
